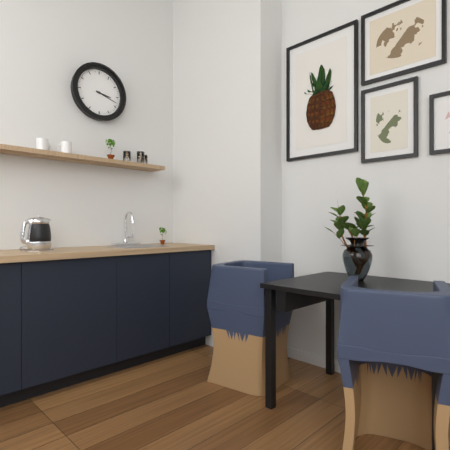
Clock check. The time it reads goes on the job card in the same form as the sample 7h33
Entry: 3h18
